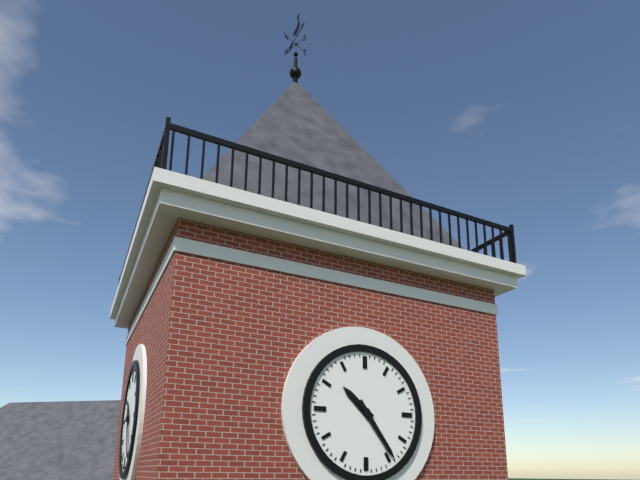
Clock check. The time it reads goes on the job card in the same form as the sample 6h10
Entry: 10h24
